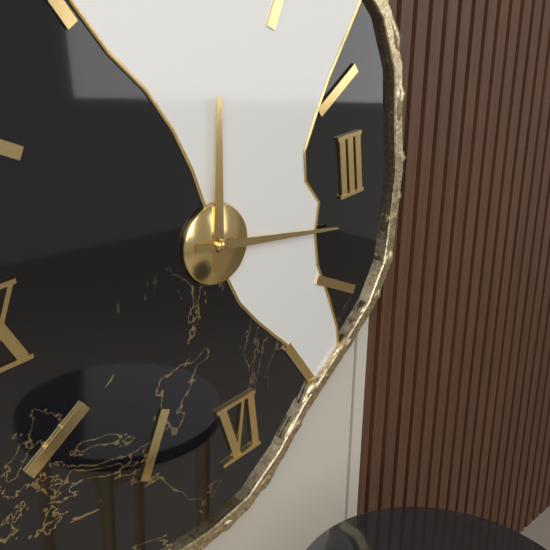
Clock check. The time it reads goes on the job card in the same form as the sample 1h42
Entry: 12h17
